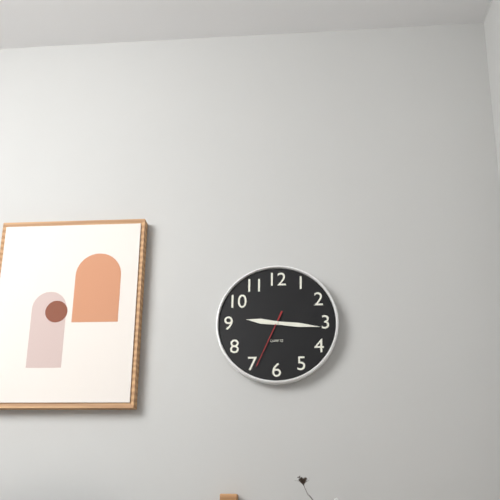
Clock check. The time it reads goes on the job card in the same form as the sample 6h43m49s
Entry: 9h16m34s
